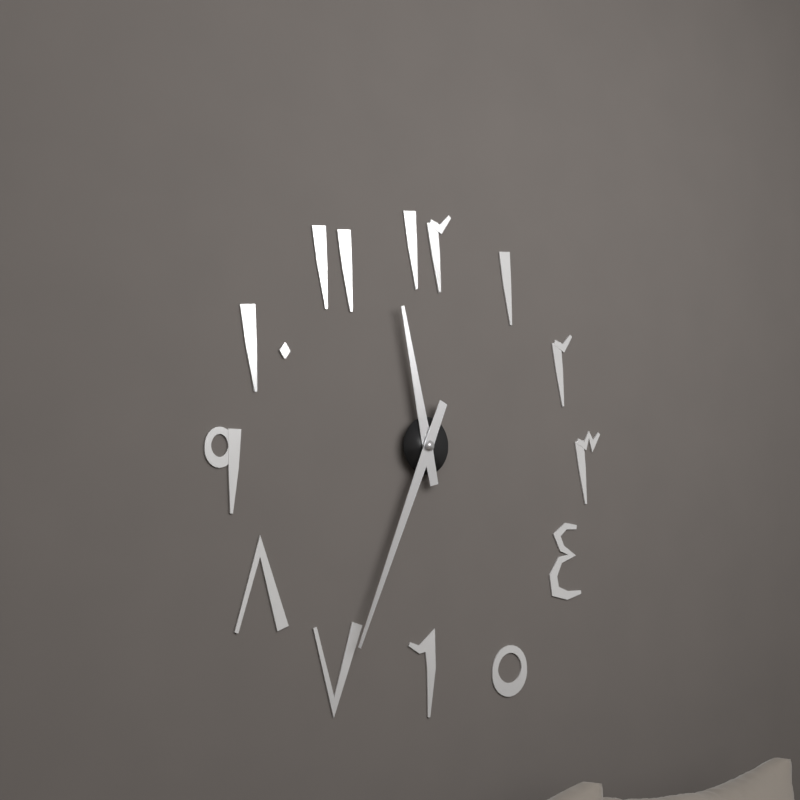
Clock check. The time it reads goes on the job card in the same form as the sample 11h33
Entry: 11h34
